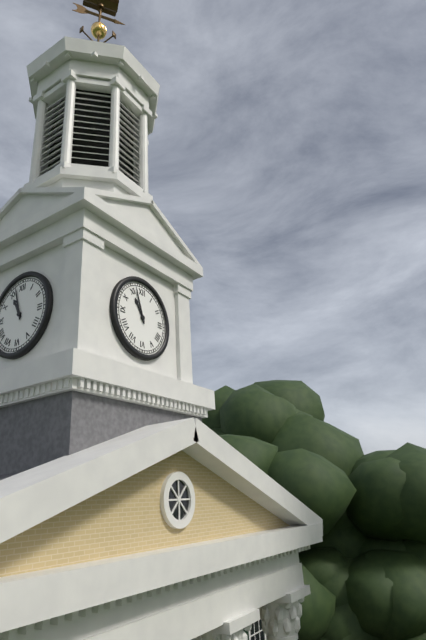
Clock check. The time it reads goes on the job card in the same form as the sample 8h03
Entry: 10h57
